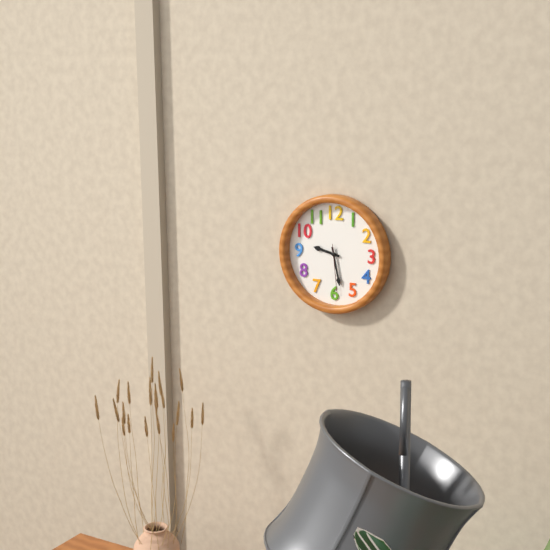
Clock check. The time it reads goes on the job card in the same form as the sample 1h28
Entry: 9h28
